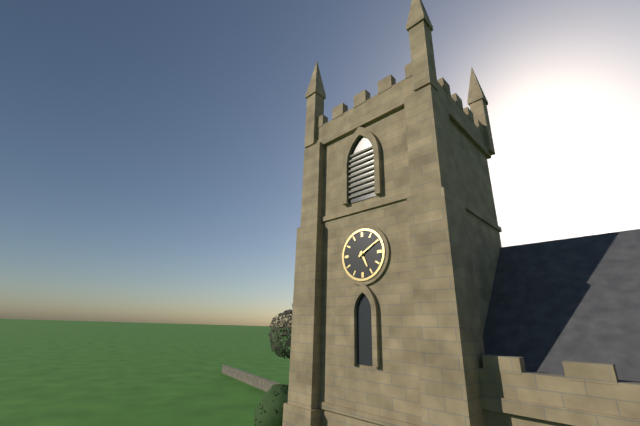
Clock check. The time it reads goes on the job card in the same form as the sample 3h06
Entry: 5h10
